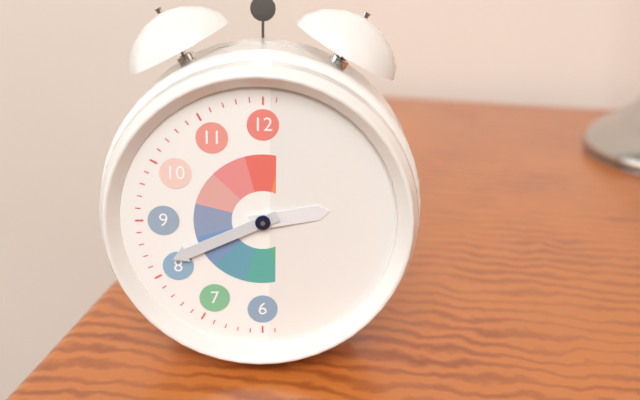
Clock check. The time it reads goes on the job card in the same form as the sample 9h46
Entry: 2h41
